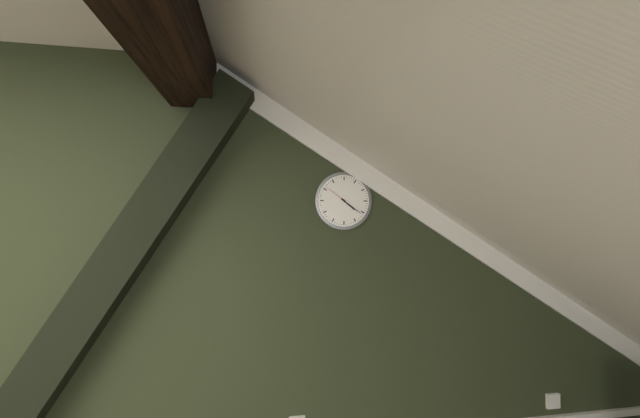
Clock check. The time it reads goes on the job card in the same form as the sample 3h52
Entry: 4h21
